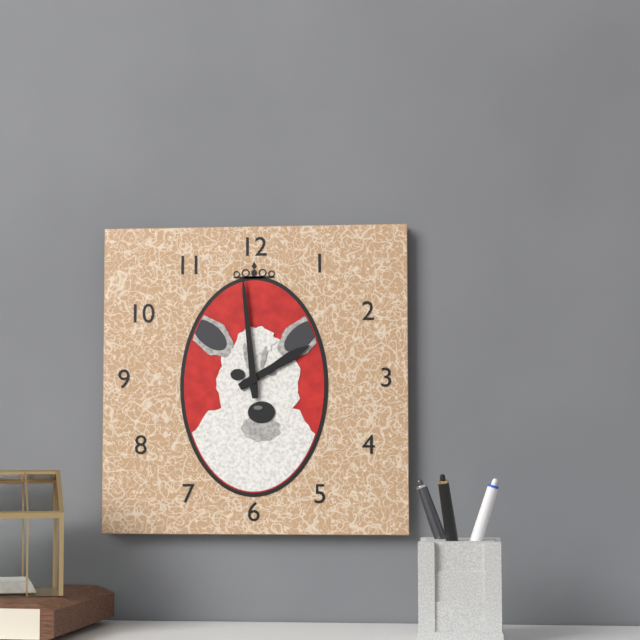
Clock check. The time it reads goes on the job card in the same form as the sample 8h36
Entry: 1h59
